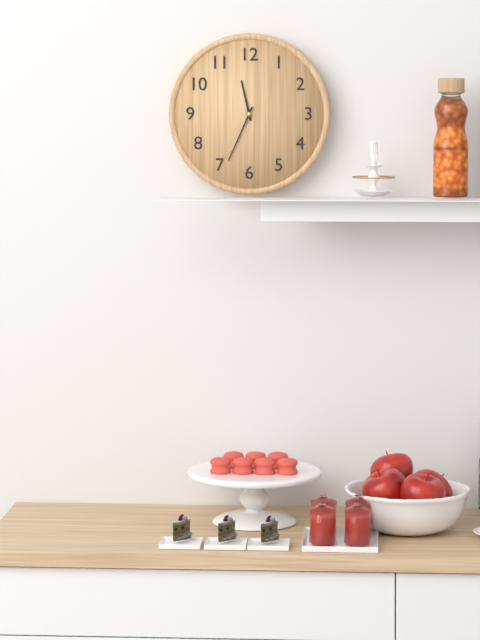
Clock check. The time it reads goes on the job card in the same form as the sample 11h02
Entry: 11h34
